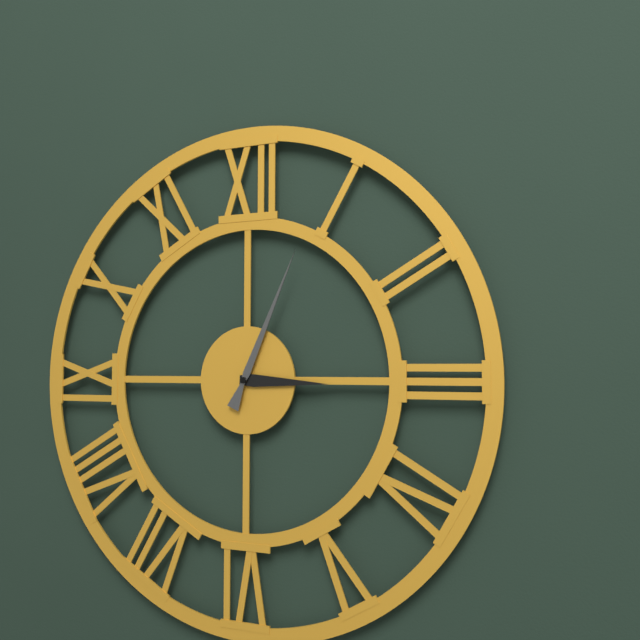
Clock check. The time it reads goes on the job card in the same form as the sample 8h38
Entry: 3h04
